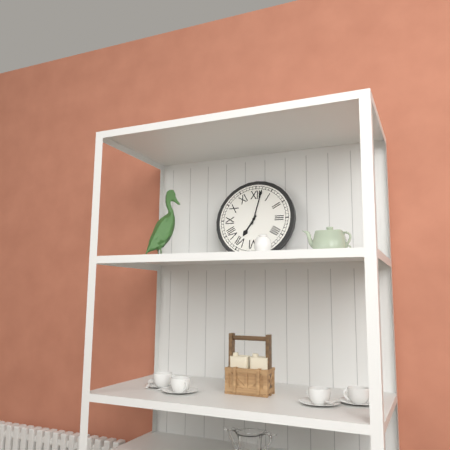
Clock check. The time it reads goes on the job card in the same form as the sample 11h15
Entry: 7h02
